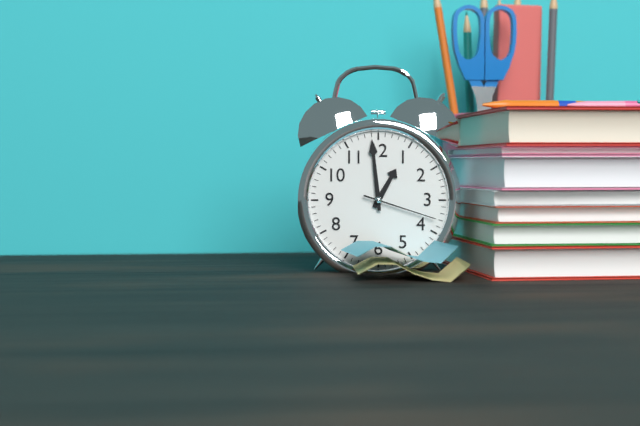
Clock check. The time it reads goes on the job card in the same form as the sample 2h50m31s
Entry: 12h59m18s
